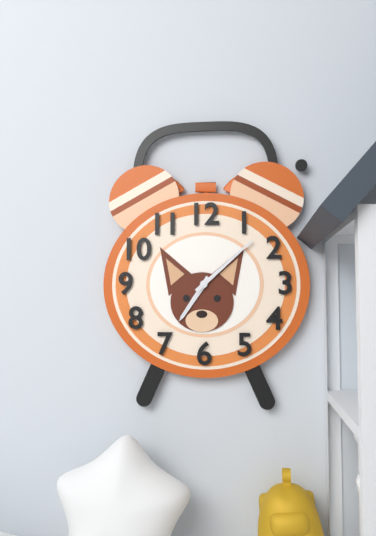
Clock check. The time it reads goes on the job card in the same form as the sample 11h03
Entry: 7h08
